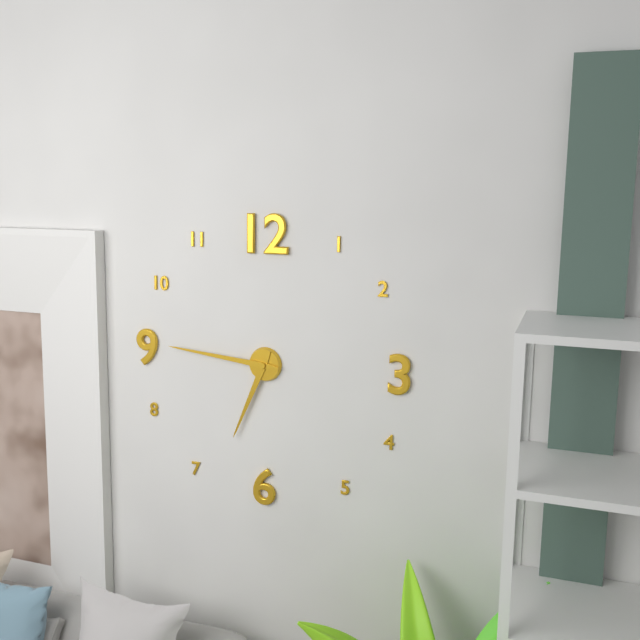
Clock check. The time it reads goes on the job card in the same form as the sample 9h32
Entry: 6h46
